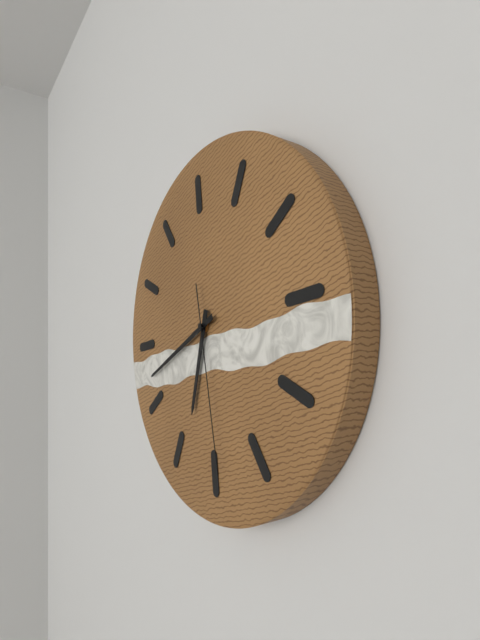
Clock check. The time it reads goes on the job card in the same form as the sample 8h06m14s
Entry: 6h42m29s
